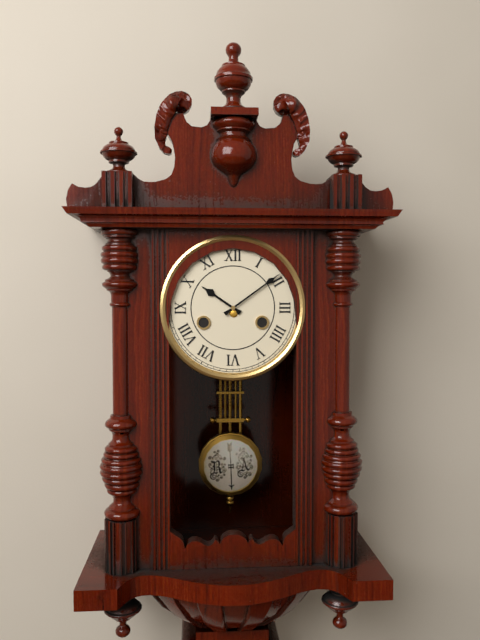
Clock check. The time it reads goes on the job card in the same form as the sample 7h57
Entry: 10h09
